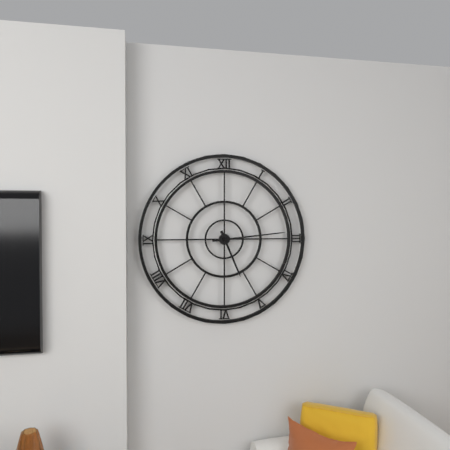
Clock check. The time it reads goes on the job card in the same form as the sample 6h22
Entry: 5h14
